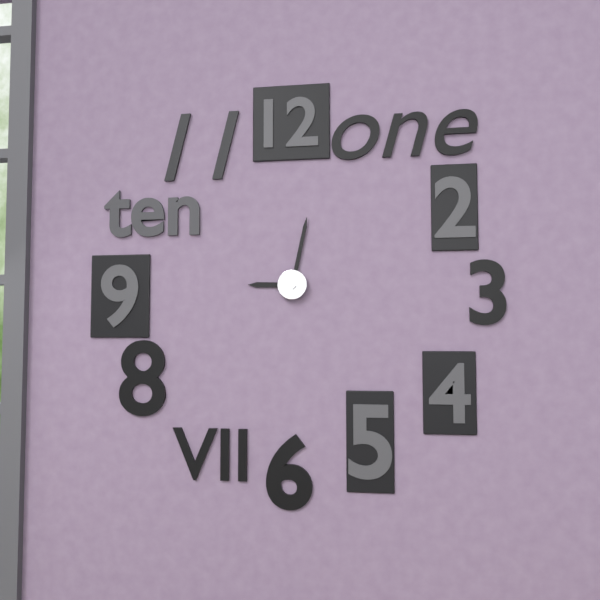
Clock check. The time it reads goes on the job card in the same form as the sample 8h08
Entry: 9h02
